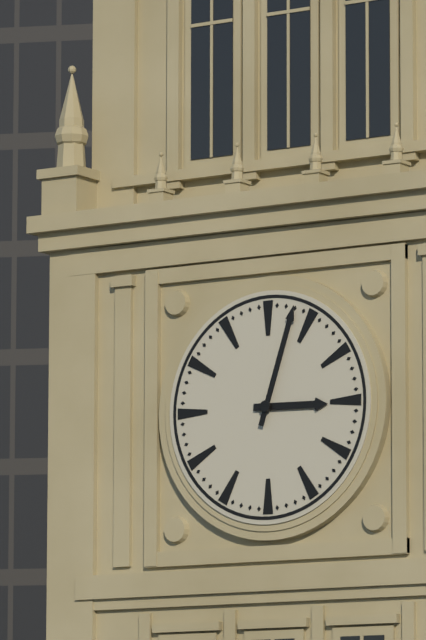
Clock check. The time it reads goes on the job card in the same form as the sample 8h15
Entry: 3h03
